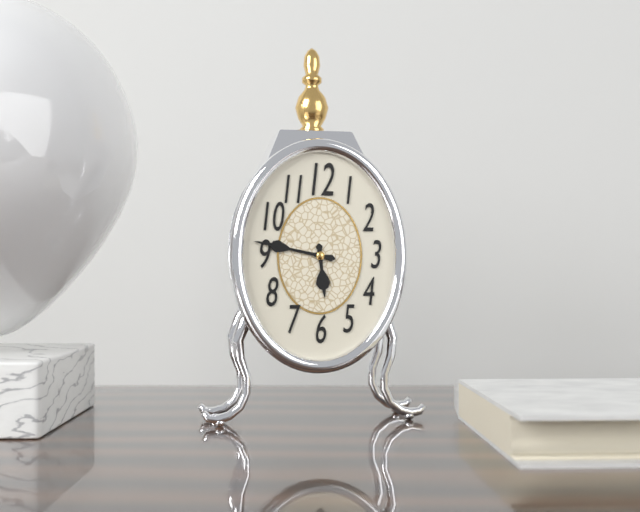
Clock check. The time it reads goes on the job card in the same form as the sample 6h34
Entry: 5h47
